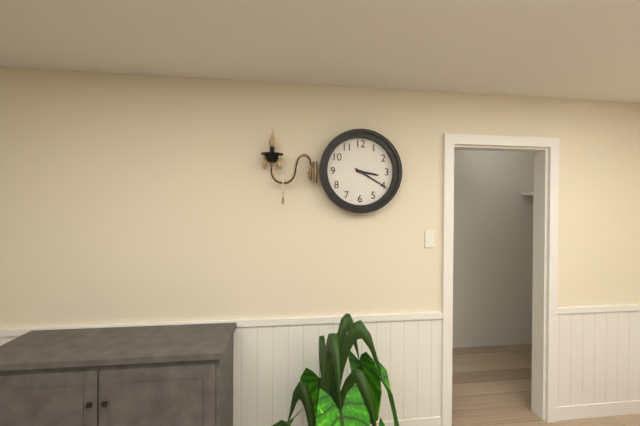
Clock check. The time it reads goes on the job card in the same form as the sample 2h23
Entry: 3h20
